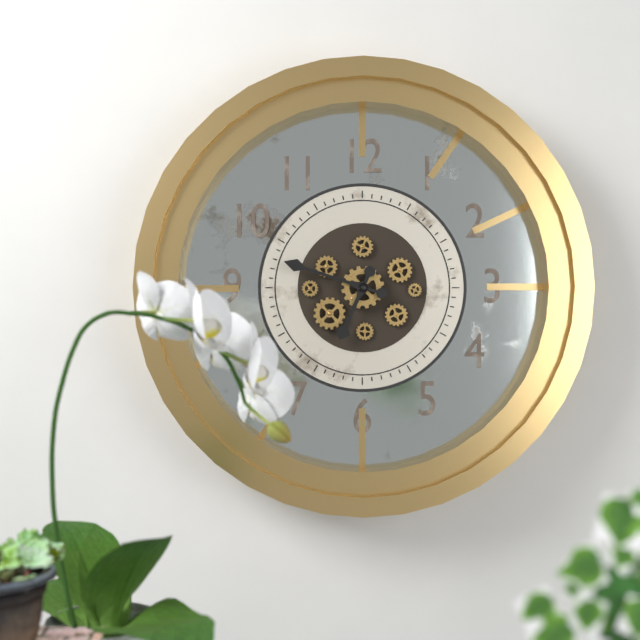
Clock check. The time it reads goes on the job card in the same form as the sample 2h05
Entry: 6h48
